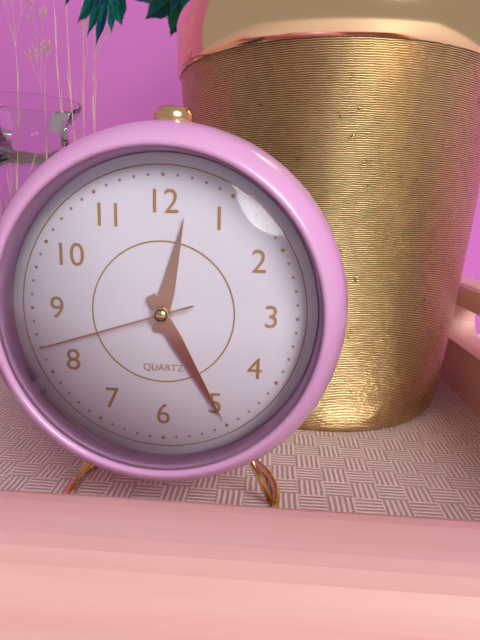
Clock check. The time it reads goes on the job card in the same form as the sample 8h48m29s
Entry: 12h25m42s
